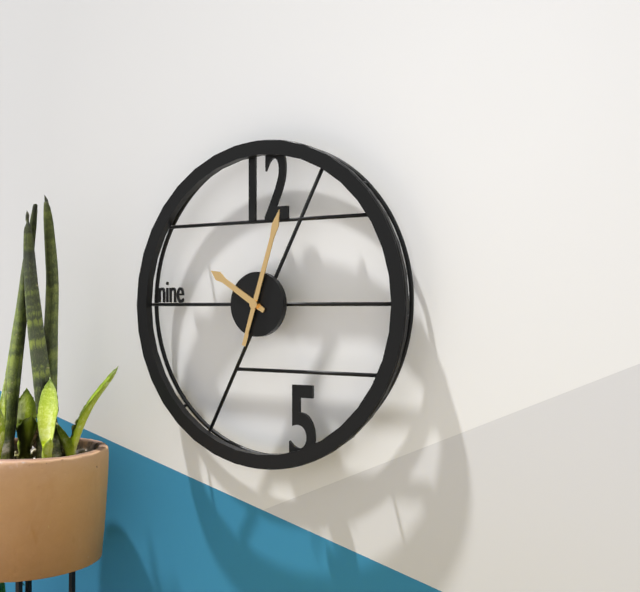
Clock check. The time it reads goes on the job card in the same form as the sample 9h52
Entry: 10h03
